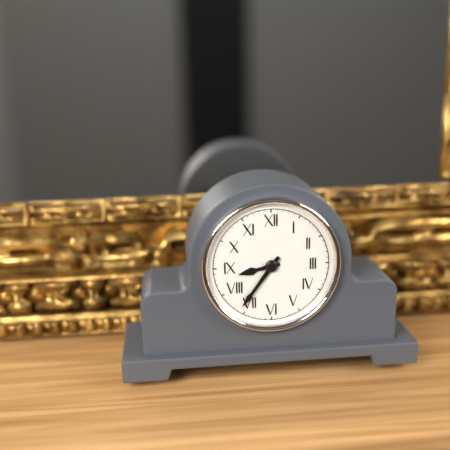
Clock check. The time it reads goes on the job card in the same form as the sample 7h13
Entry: 8h36
